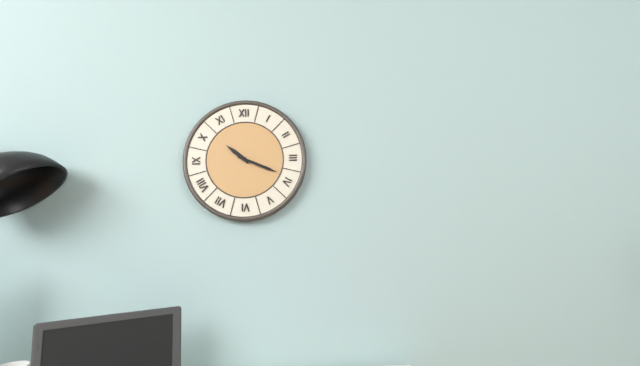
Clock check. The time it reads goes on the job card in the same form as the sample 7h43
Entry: 10h19
